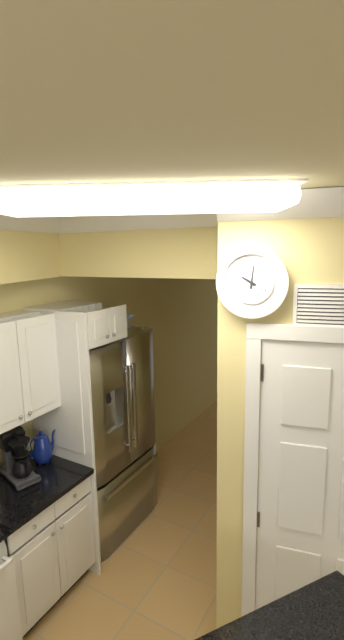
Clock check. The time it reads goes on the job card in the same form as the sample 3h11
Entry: 10h01
